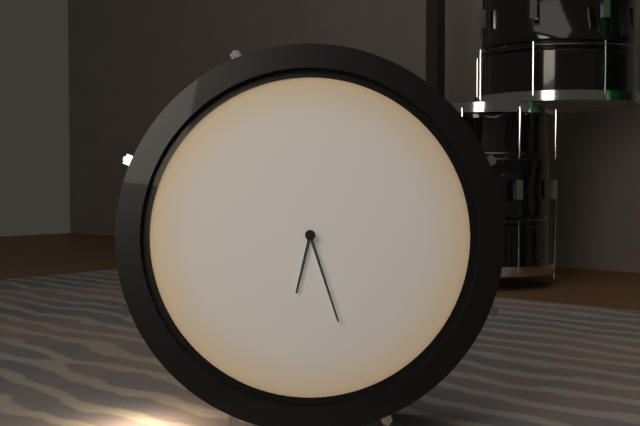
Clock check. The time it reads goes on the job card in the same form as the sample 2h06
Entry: 6h27
